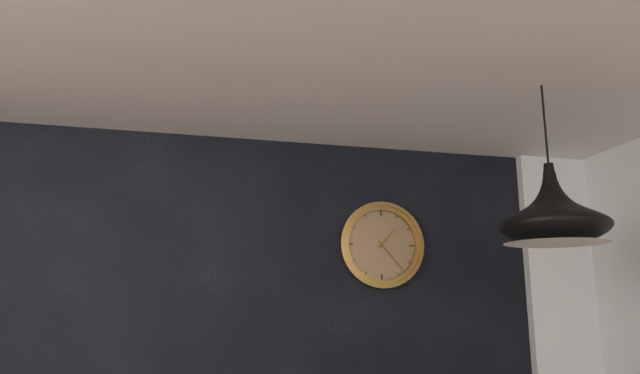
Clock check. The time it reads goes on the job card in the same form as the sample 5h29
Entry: 1h23
